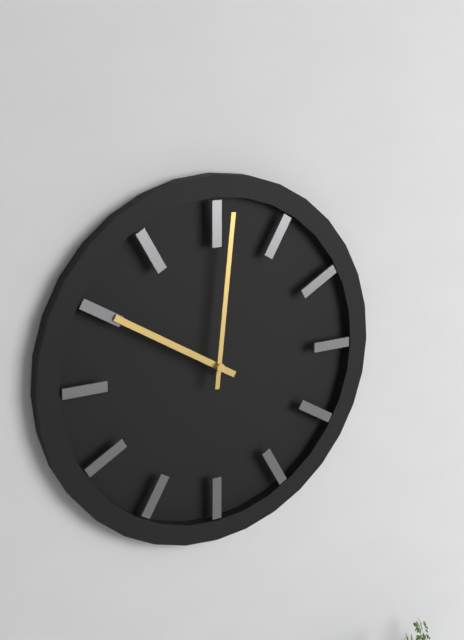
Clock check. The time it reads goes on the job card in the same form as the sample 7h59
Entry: 10h01
